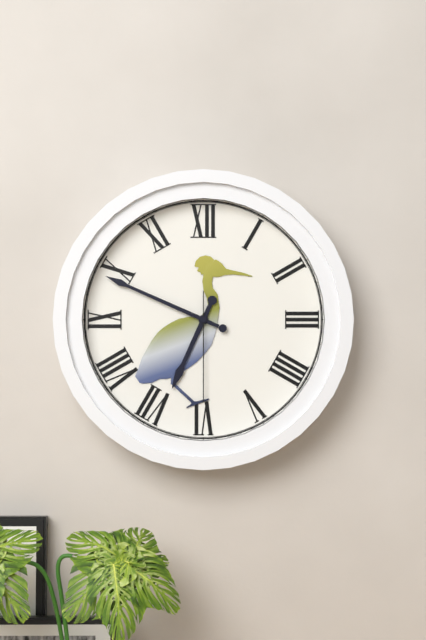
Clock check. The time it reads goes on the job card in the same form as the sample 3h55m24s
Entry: 6h49m30s
